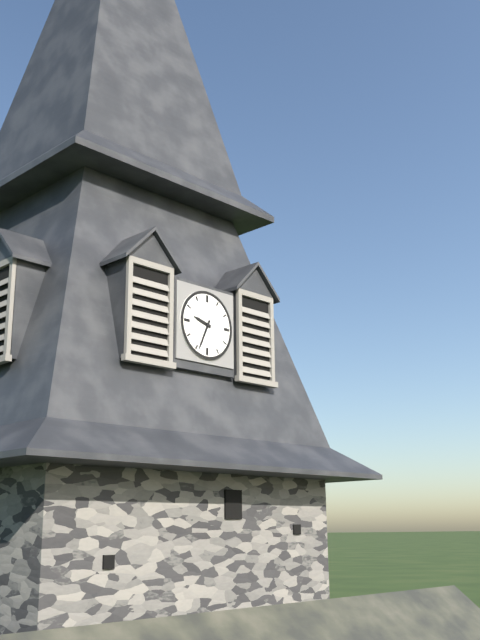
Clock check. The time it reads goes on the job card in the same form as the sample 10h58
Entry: 9h34
